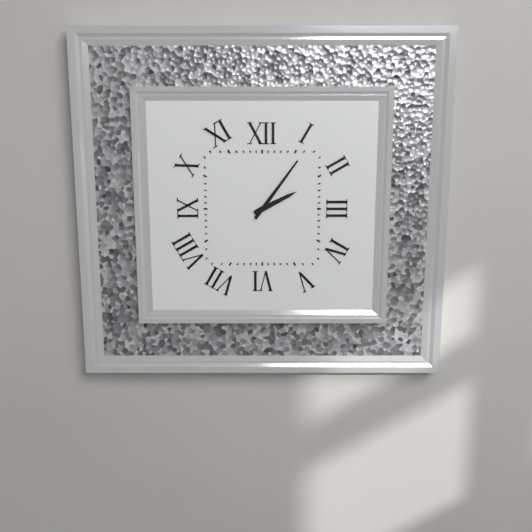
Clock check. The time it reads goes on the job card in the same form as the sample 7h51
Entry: 2h06
